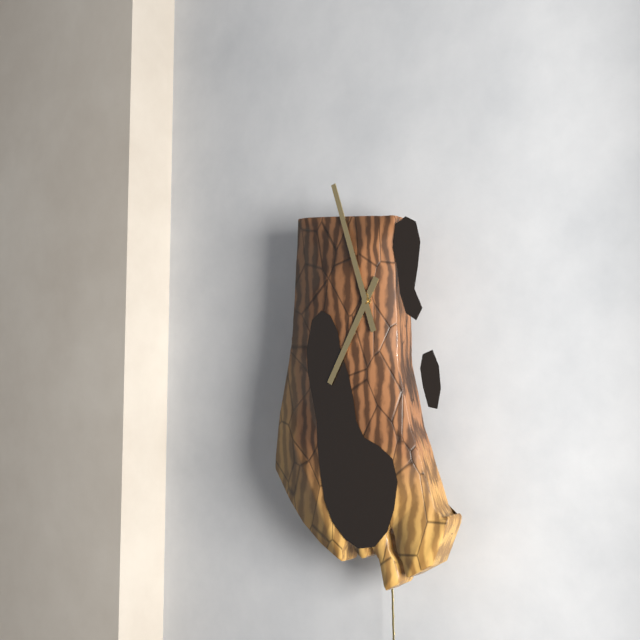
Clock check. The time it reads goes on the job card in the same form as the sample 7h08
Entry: 6h57
